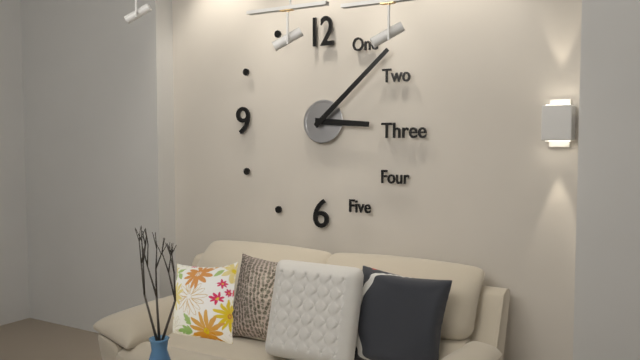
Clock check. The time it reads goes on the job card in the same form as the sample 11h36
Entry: 3h08
